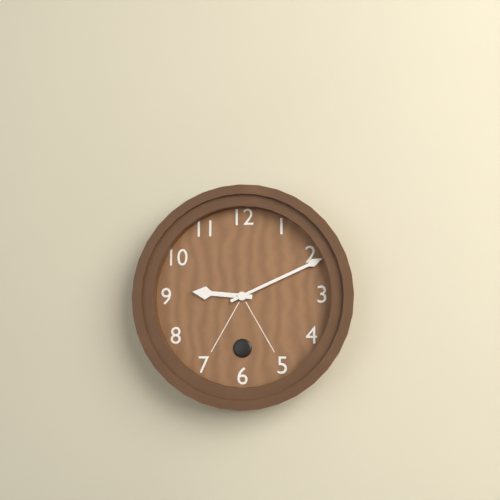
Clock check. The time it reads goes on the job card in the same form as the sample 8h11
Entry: 9h11
